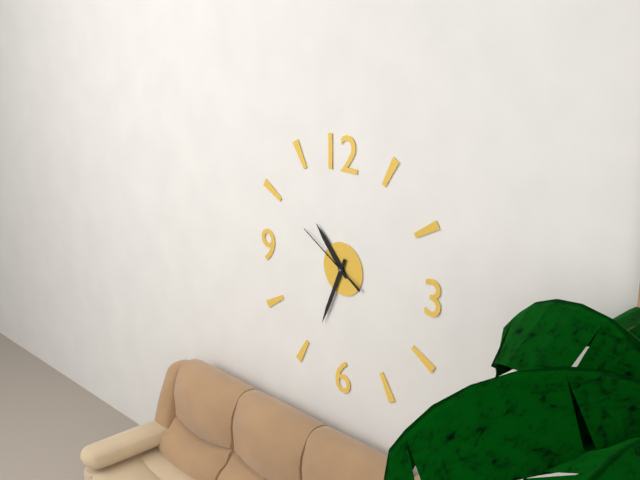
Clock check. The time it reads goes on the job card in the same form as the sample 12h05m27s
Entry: 10h34m50s
